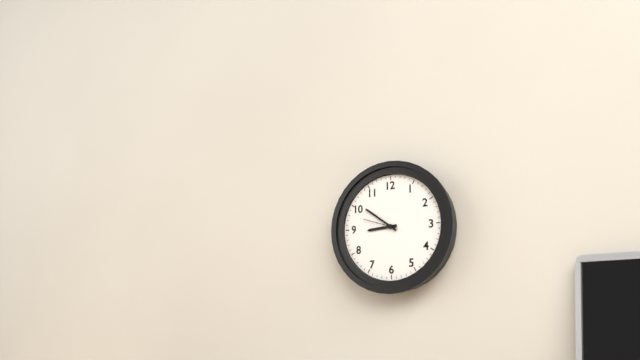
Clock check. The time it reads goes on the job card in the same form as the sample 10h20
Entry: 8h51
